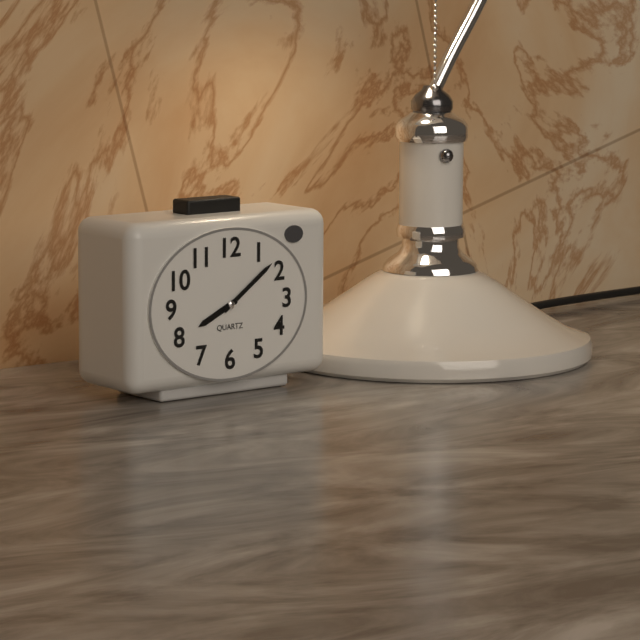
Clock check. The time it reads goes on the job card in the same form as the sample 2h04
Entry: 8h09
